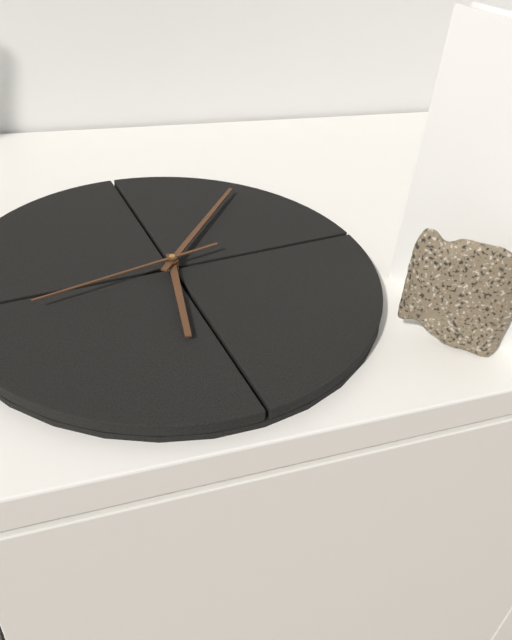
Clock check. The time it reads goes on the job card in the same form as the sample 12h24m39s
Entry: 7h11m47s
